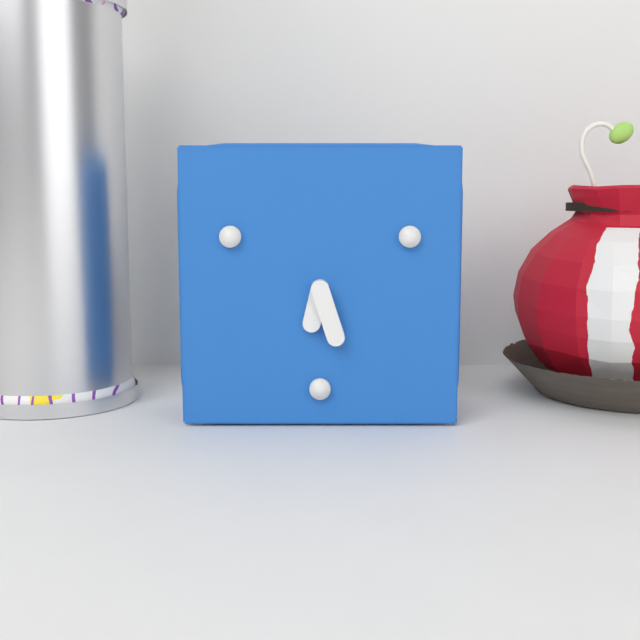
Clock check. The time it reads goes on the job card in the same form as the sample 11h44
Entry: 6h27
